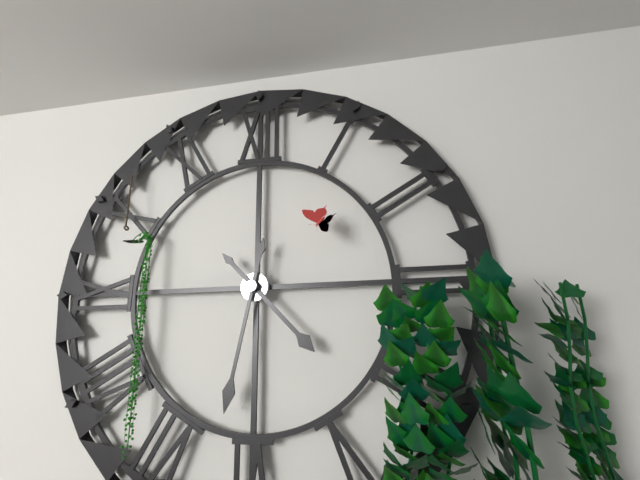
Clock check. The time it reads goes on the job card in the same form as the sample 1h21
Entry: 4h32
